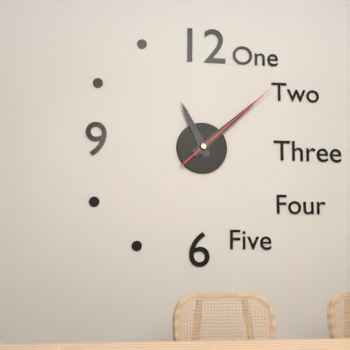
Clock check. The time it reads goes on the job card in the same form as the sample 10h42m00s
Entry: 11h08m08s
